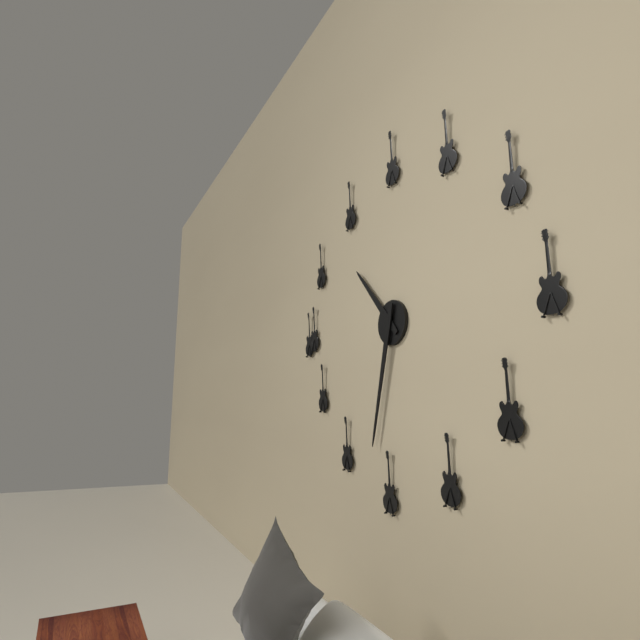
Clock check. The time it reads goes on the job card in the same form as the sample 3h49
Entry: 10h32
